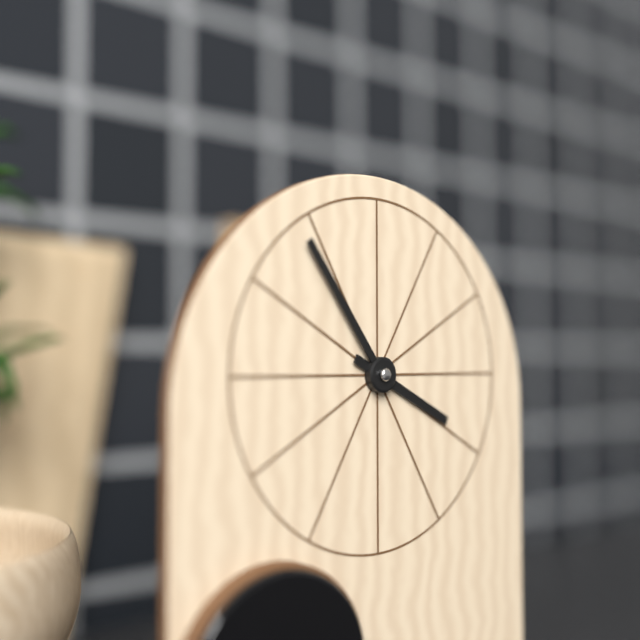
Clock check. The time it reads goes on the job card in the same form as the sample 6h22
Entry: 3h54
